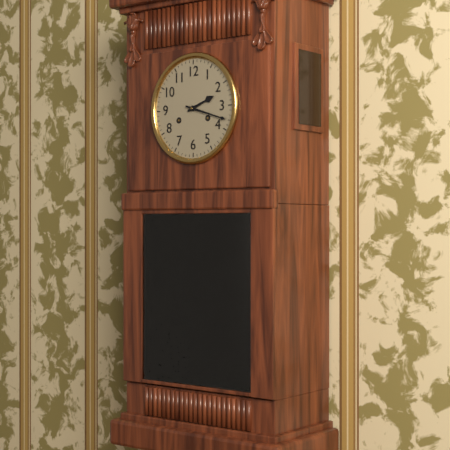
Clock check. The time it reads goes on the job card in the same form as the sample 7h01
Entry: 2h18
